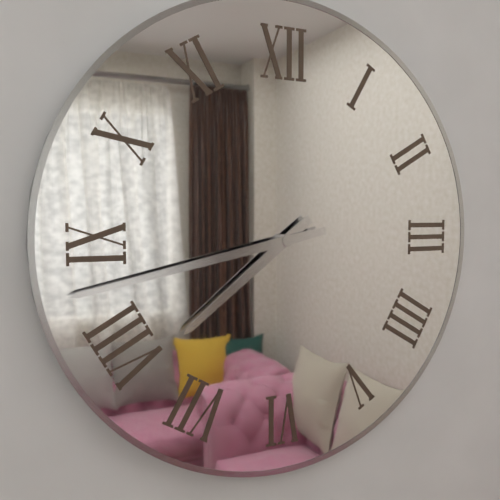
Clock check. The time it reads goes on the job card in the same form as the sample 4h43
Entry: 7h43
